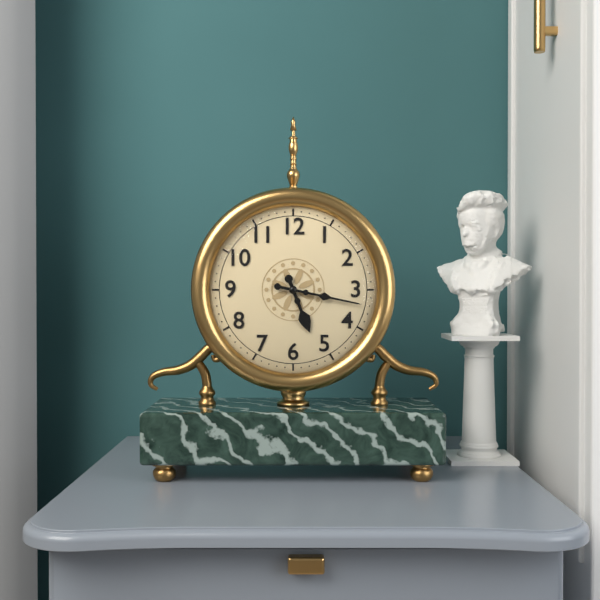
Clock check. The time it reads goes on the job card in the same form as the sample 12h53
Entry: 5h17
